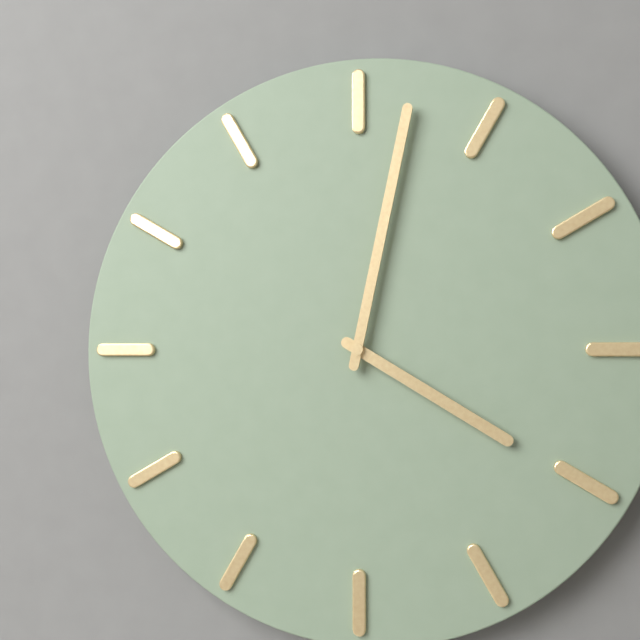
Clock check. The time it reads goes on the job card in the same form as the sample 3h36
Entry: 4h02
